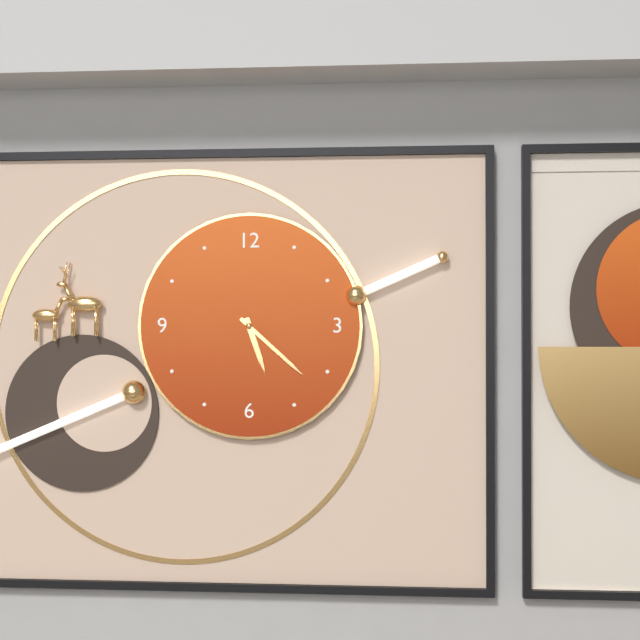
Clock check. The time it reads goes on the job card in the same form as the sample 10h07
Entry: 5h22
